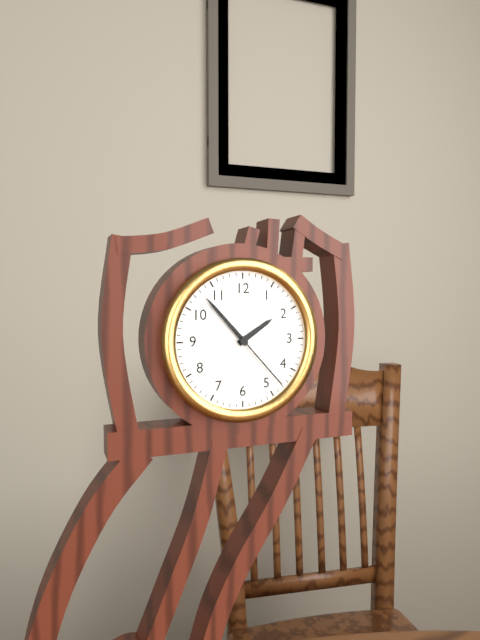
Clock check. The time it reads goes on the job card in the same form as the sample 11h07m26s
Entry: 1h53m23s
